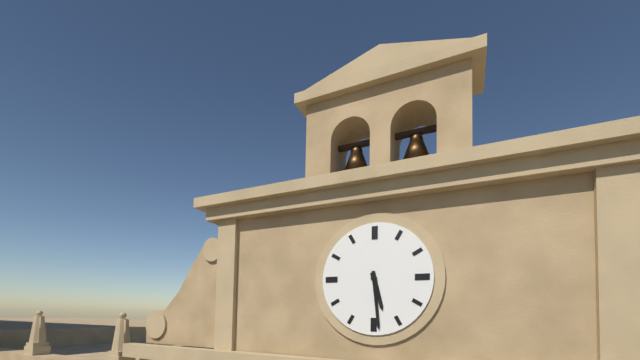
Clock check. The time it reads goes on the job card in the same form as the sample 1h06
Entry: 5h29
